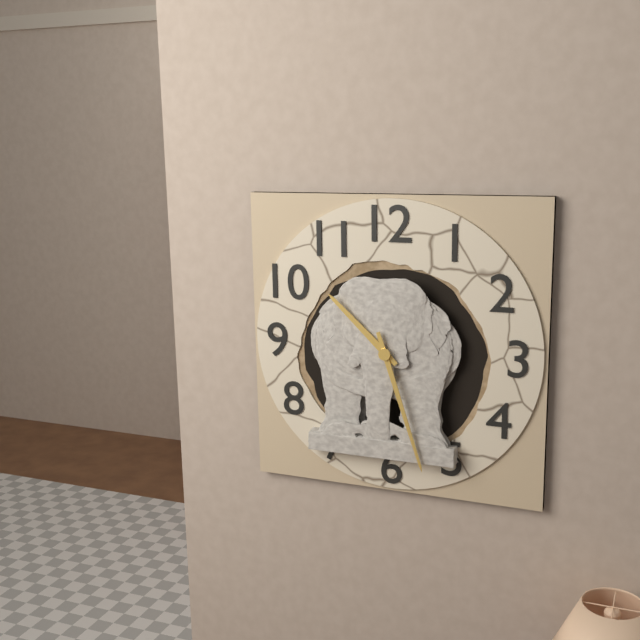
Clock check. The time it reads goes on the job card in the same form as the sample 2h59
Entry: 10h27
